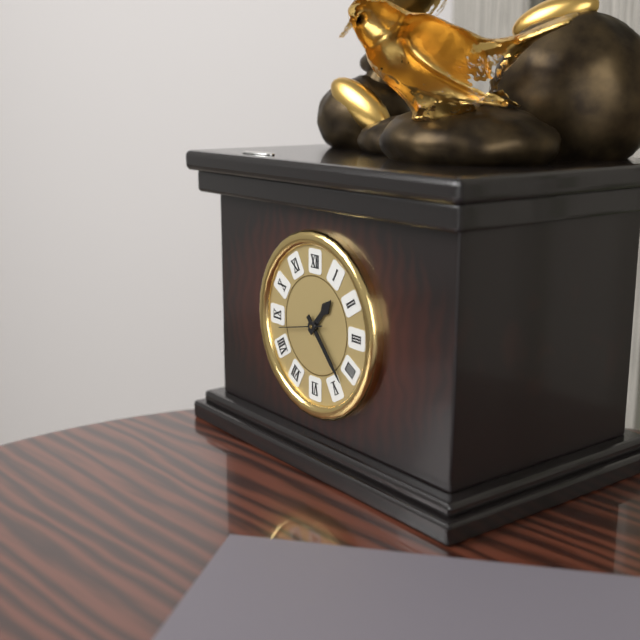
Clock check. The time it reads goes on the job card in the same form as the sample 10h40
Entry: 1h23
